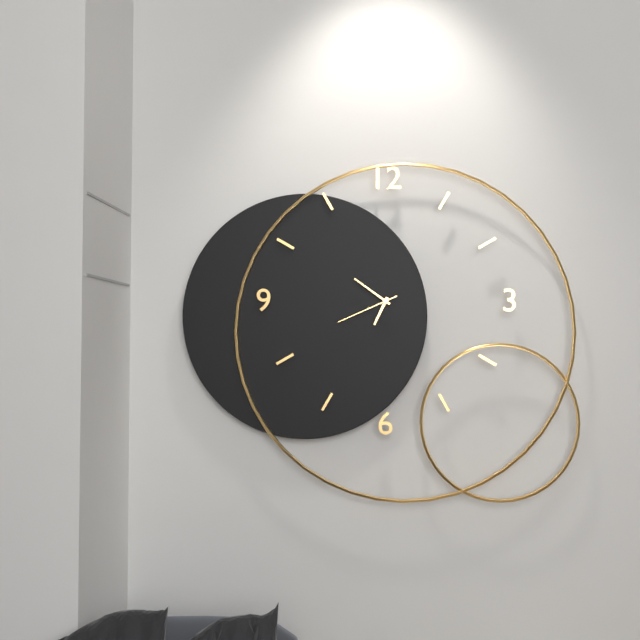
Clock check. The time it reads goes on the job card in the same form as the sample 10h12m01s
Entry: 6h51m41s
